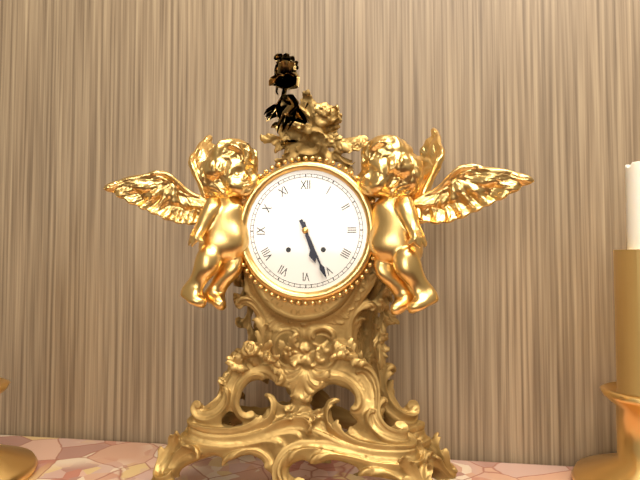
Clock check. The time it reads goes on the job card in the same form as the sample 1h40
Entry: 5h26
